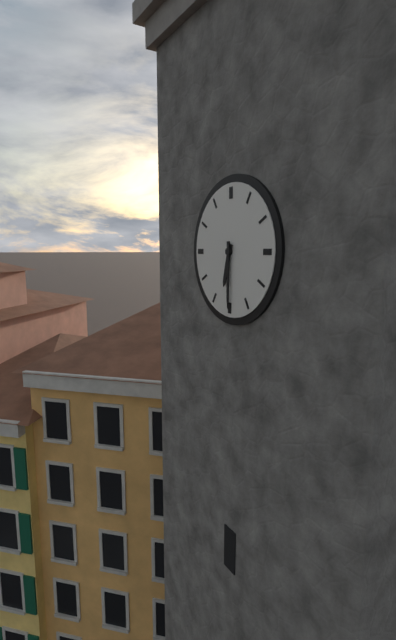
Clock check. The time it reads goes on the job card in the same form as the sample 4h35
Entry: 6h30
